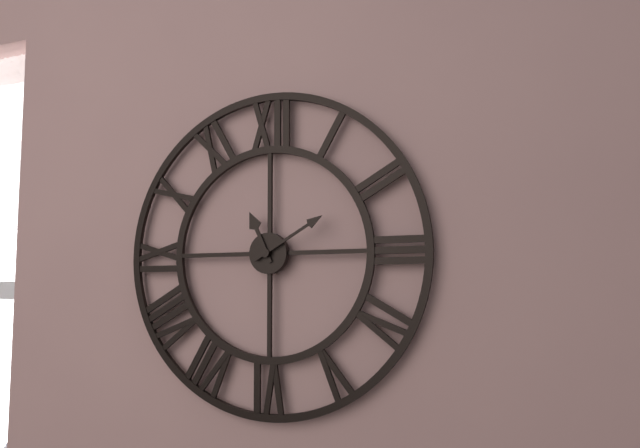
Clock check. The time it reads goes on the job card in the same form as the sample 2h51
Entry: 11h10
